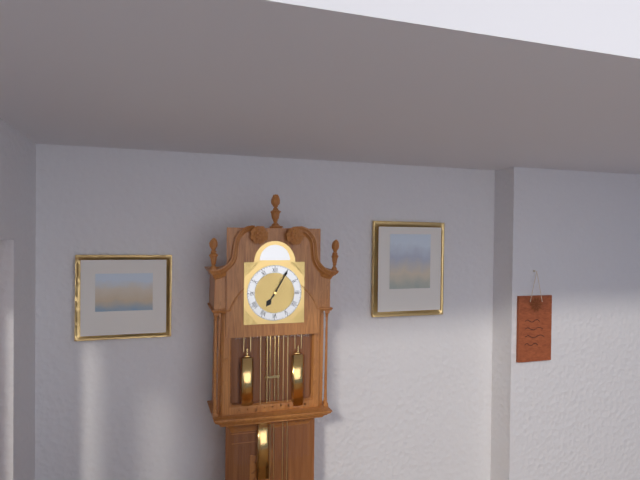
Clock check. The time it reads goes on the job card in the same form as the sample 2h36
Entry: 7h05
